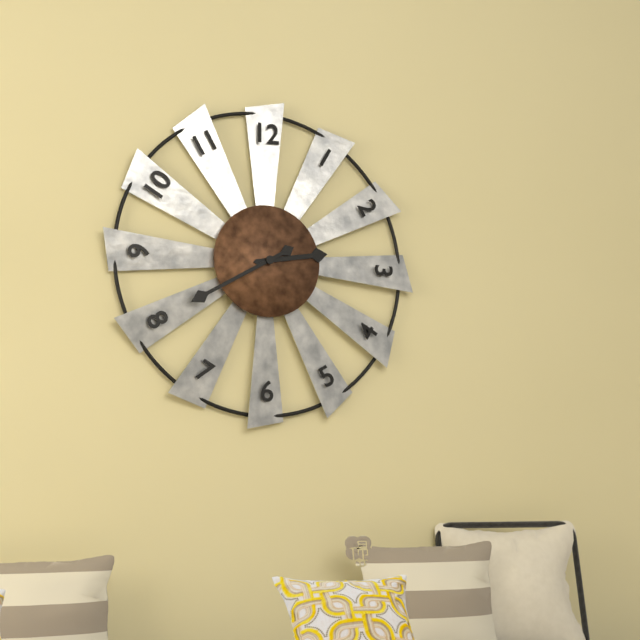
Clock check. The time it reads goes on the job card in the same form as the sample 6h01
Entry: 2h40
